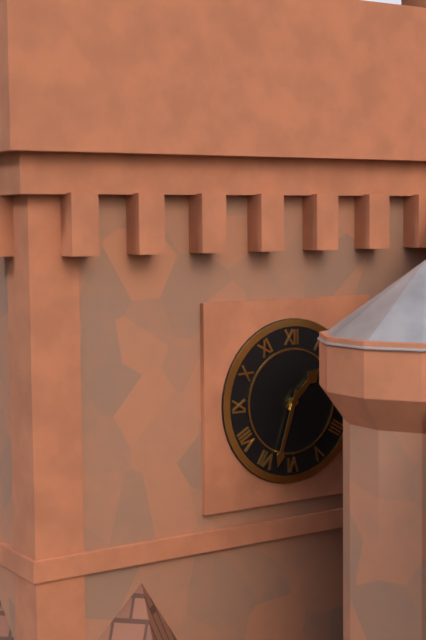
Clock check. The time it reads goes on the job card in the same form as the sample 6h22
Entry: 1h33
